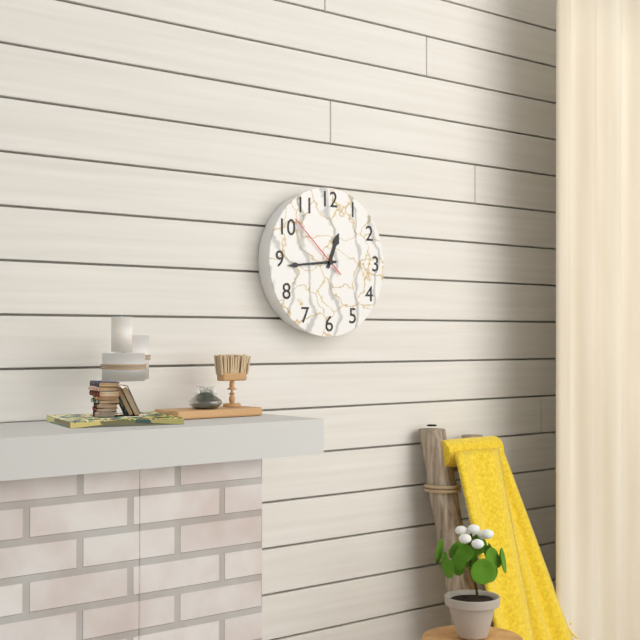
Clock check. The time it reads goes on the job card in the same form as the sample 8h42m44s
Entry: 12h44m52s
